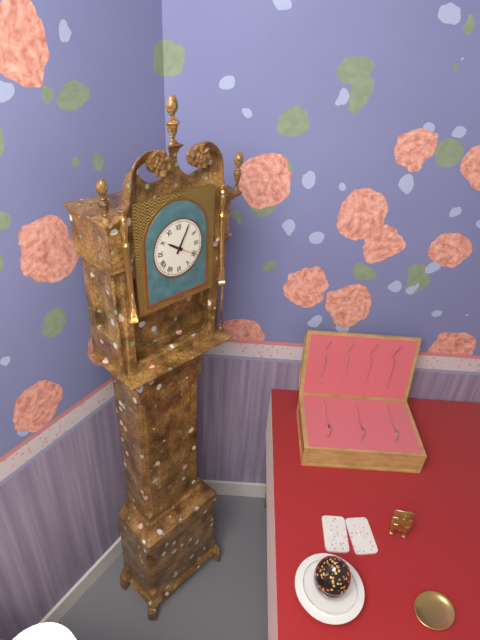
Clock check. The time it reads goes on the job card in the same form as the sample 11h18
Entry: 10h05
